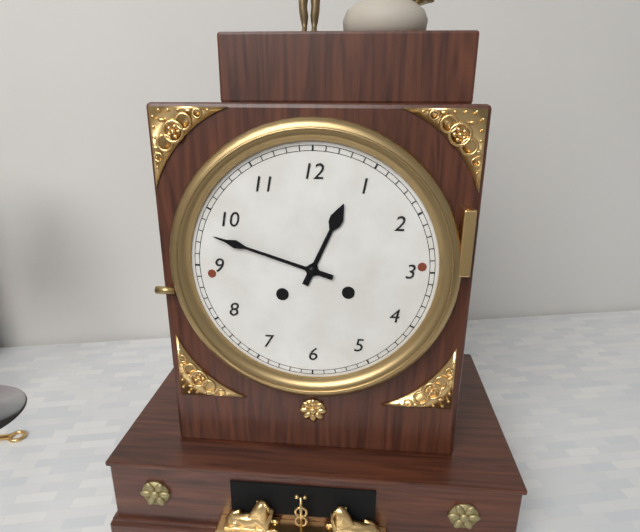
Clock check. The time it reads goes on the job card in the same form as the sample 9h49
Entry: 12h48
